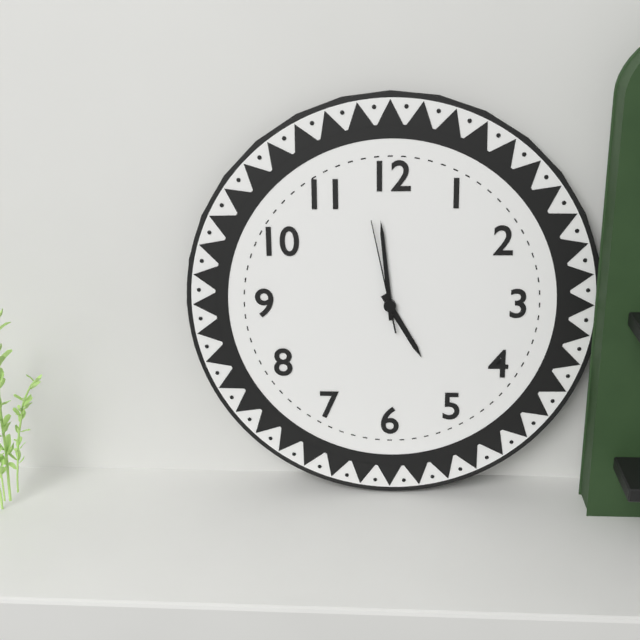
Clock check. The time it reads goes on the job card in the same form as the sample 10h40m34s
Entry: 4h59m58s
